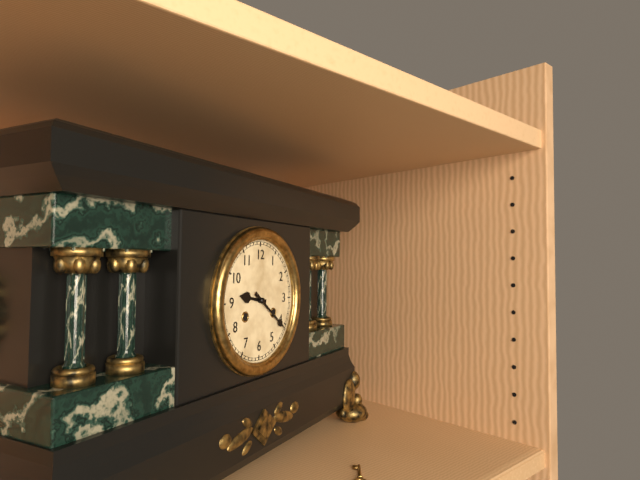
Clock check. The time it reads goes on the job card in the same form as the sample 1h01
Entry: 9h21
